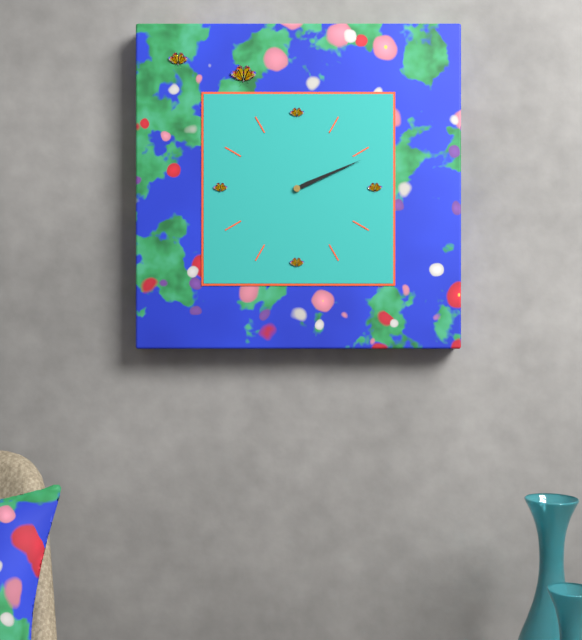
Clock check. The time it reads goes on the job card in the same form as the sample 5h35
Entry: 2h11
